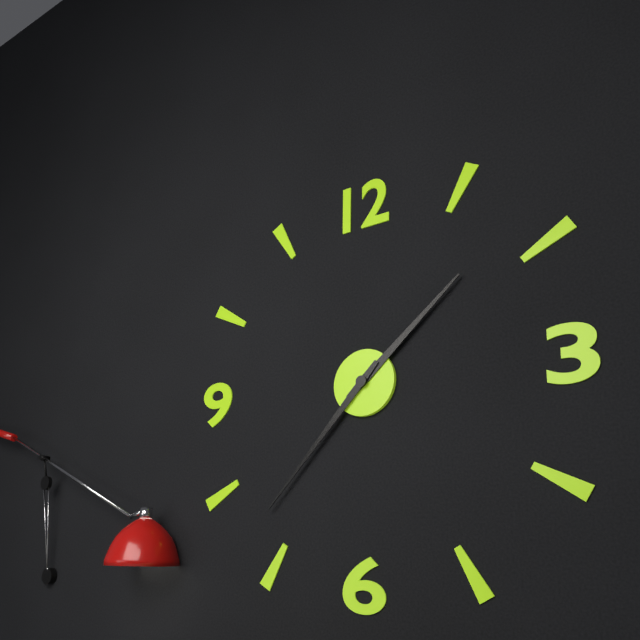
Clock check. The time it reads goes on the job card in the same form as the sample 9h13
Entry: 1h37
